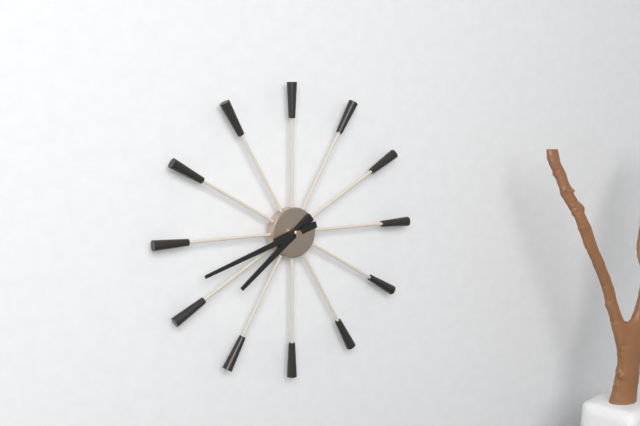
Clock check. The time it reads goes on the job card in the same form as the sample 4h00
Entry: 7h42
